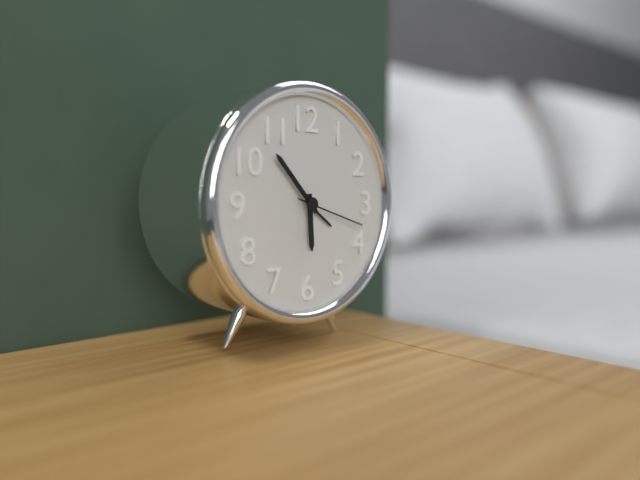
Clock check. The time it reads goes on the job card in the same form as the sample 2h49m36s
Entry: 5h53m18s
